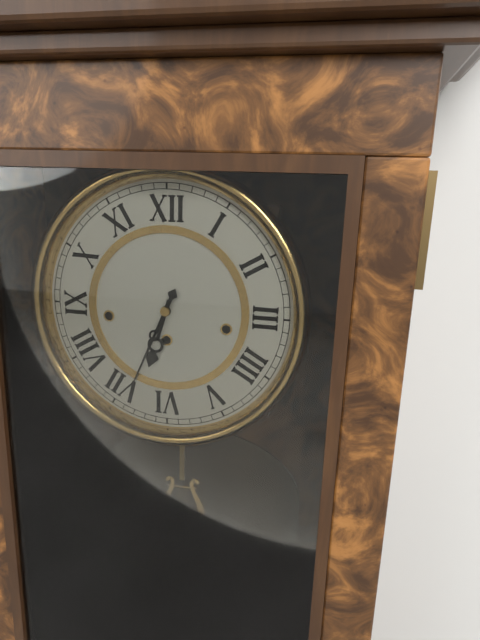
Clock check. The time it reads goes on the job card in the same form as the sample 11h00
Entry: 6h34
